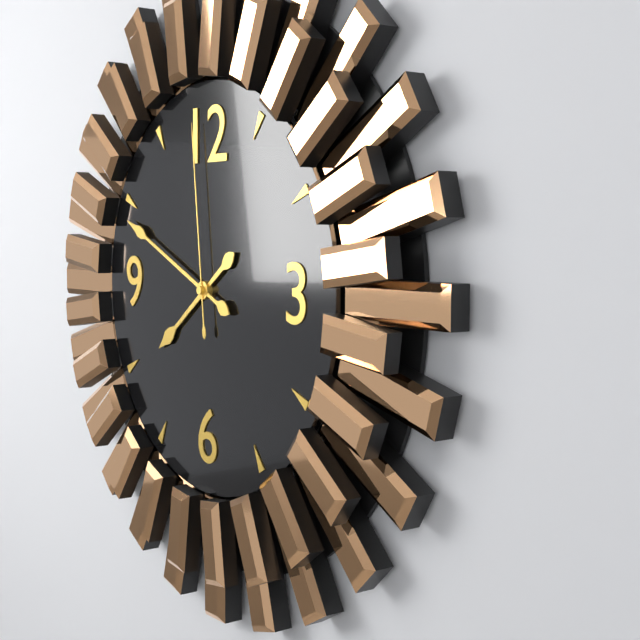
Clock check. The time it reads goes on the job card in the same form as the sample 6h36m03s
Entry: 7h49m59s
